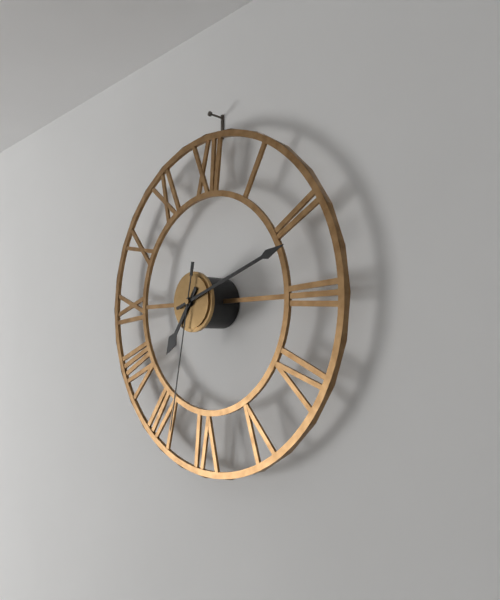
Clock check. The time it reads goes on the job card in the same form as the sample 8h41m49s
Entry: 7h12m32s
